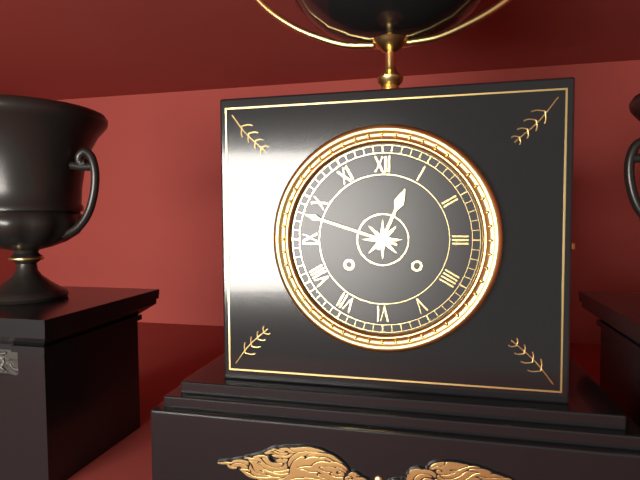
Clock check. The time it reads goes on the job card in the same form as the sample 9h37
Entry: 12h48
